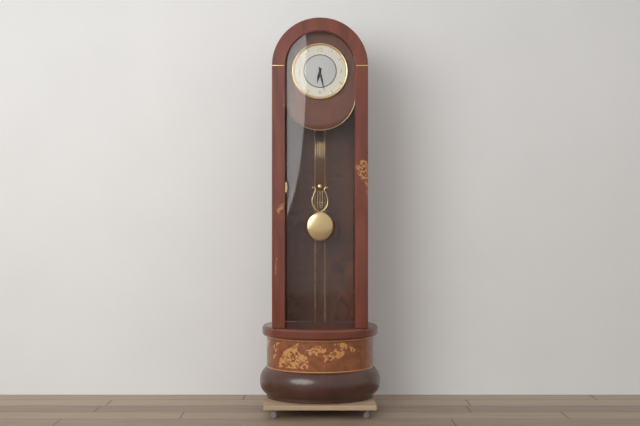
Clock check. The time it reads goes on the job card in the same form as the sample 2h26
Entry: 6h28
